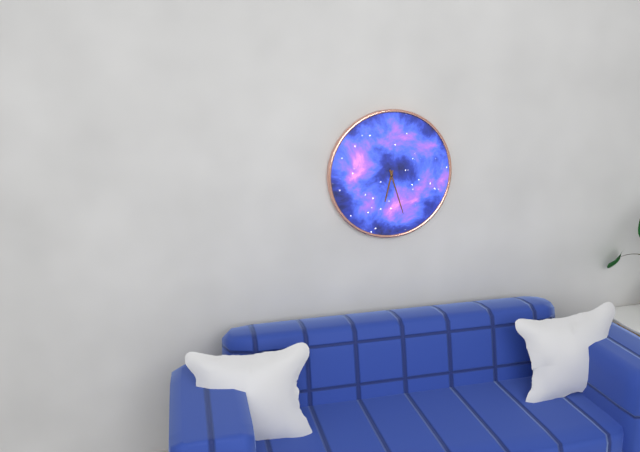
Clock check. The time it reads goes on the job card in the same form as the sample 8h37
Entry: 6h27
